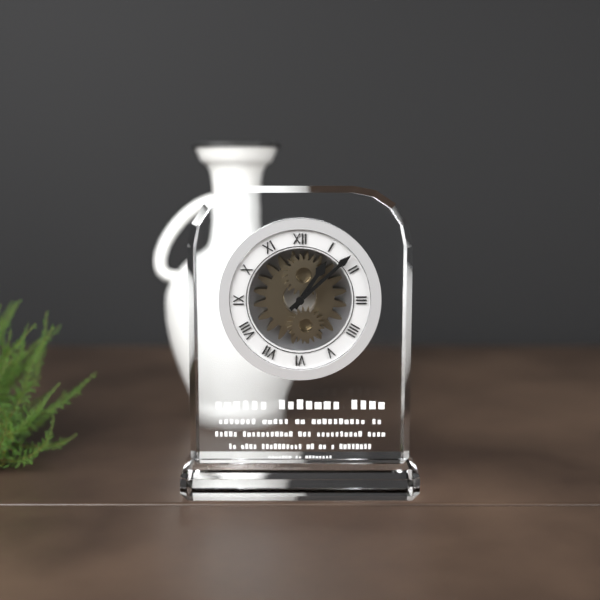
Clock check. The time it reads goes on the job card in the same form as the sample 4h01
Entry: 1h08
